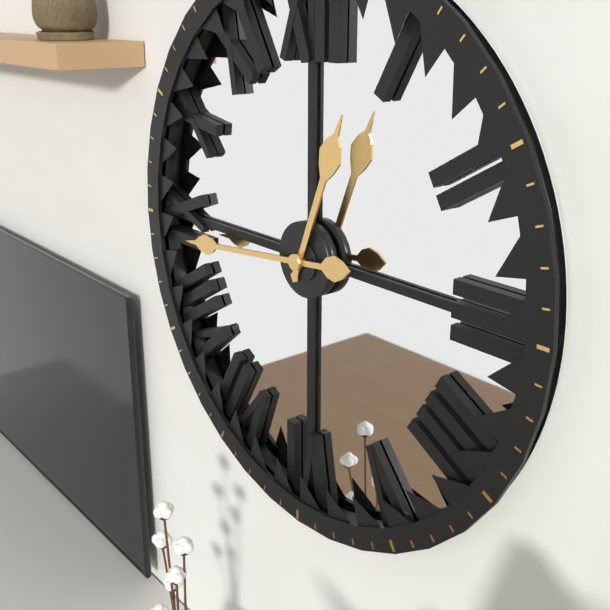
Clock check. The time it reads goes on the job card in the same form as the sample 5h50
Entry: 12h44
